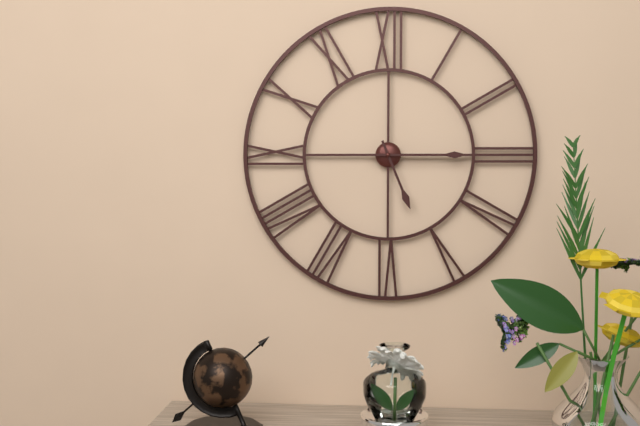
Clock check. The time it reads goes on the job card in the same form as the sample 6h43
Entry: 5h15
